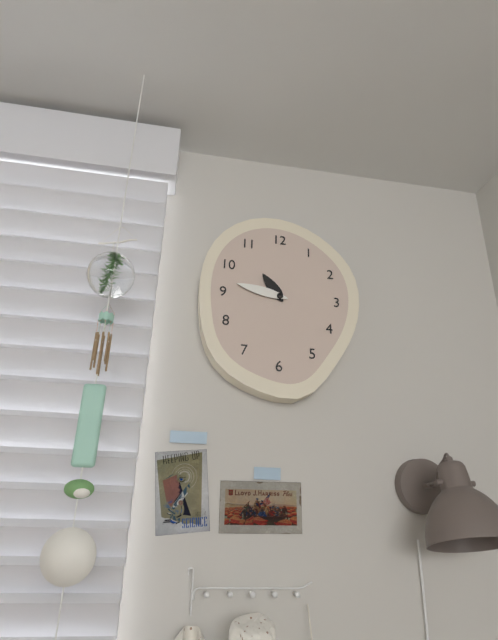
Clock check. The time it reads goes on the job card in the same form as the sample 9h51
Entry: 10h47
